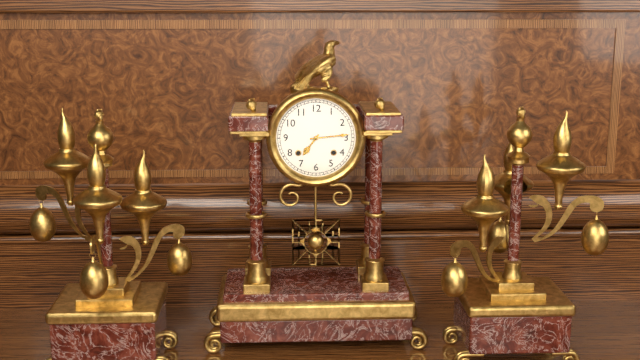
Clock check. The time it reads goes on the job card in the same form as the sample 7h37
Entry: 7h14
